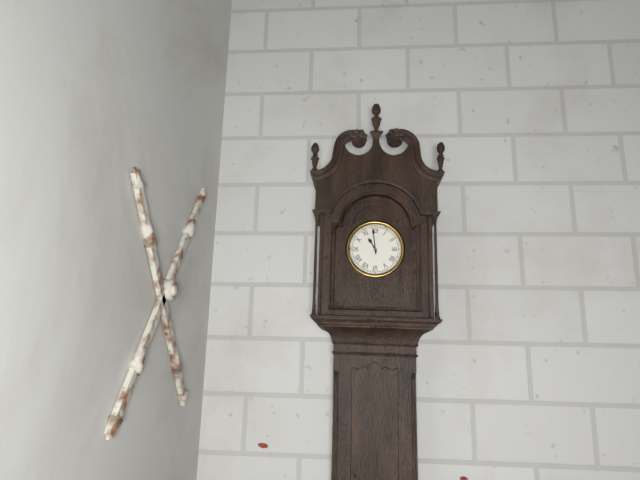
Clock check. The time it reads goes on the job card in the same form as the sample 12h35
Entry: 10h59
